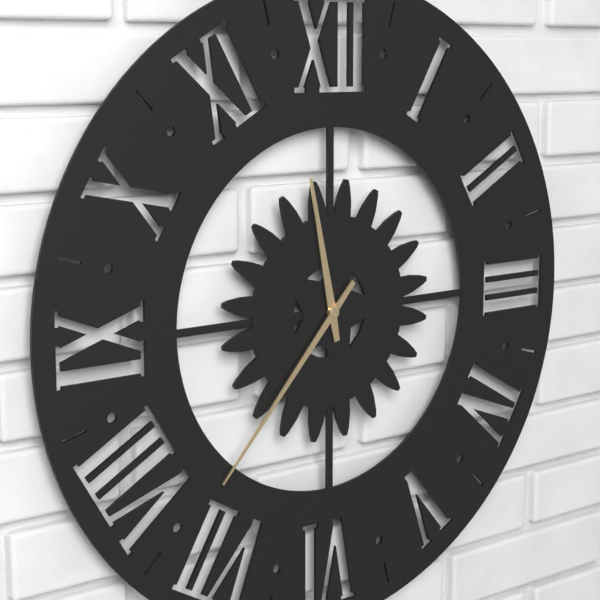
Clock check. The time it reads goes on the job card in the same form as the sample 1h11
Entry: 11h37
